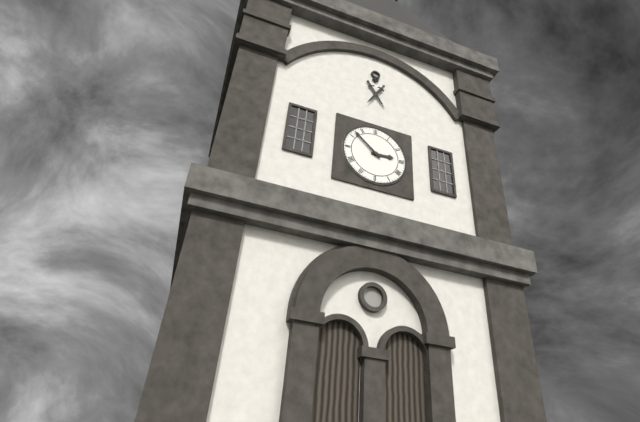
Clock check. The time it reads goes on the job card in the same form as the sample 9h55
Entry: 2h52
